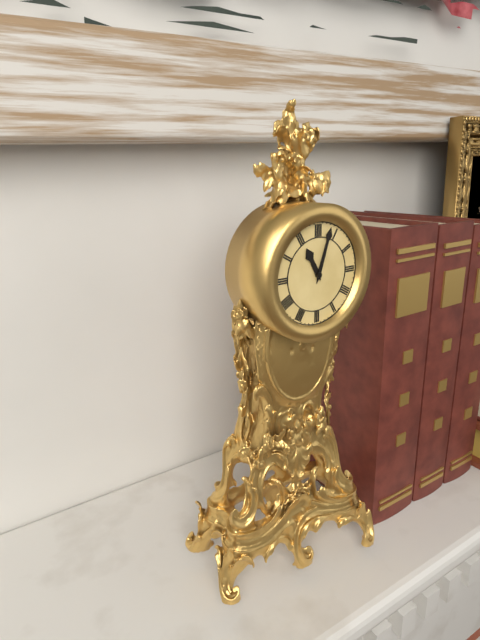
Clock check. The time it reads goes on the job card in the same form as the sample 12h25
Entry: 11h03
